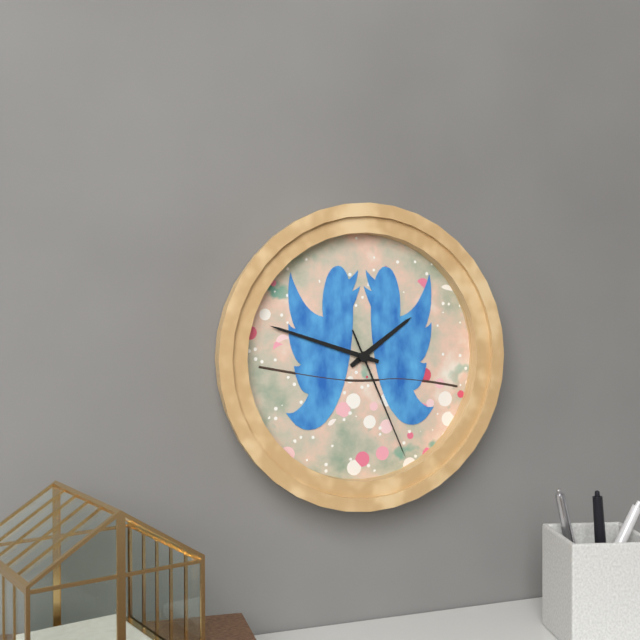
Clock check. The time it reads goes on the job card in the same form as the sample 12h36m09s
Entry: 1h48m26s
